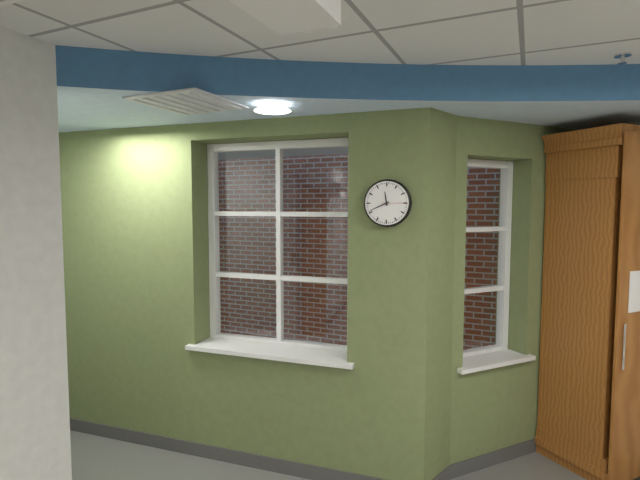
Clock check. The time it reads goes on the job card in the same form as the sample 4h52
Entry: 11h41
